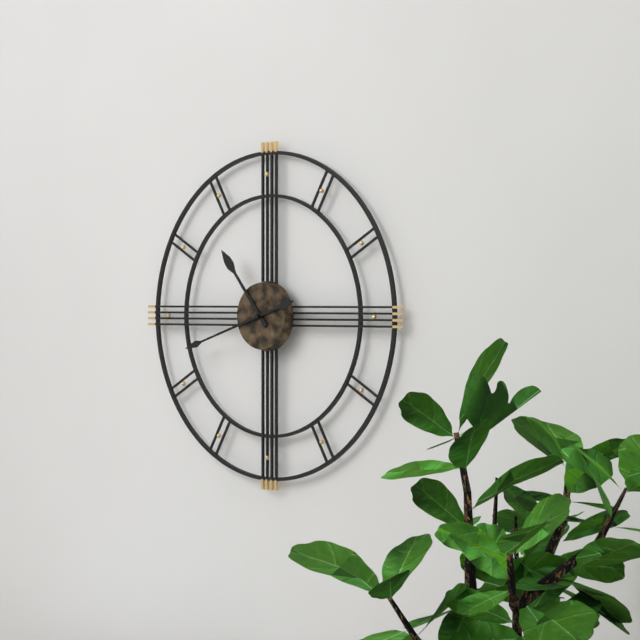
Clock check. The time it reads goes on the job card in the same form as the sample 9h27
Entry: 10h42
